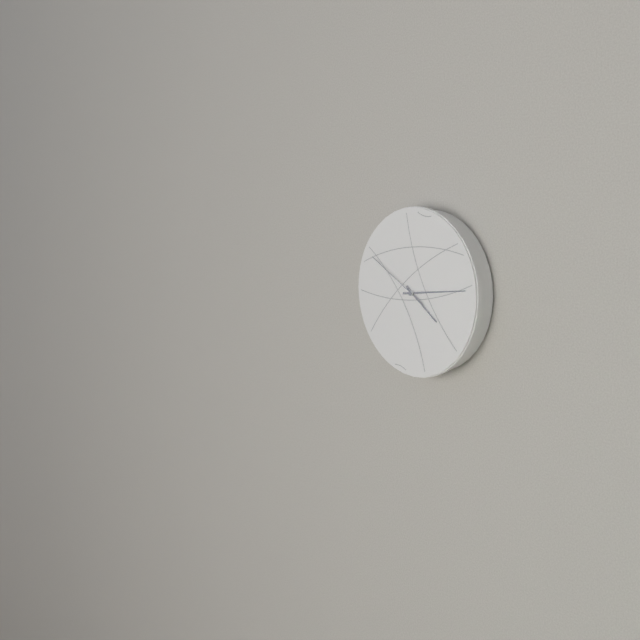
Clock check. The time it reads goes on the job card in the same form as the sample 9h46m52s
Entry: 4h14m50s
